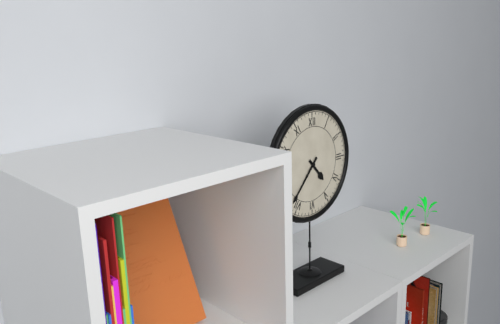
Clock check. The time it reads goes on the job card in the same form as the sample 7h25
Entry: 4h37
